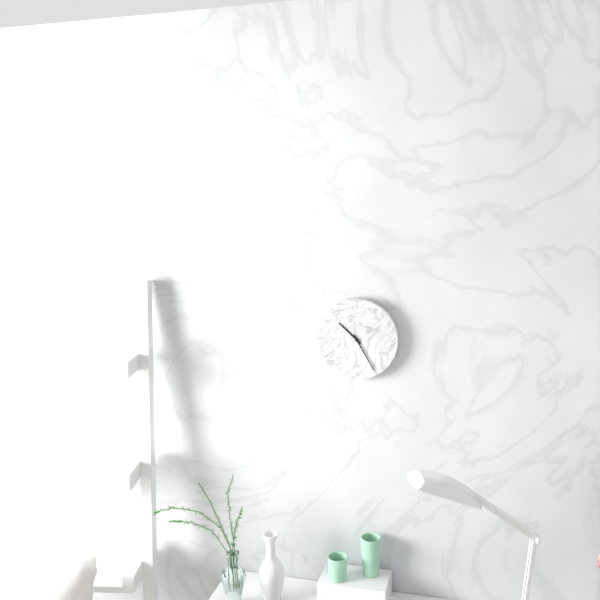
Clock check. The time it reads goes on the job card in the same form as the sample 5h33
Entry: 10h25
